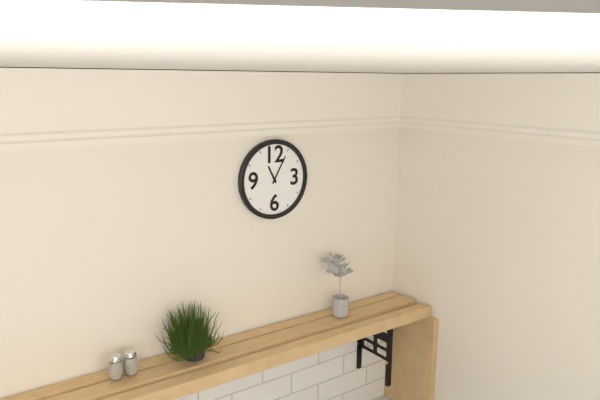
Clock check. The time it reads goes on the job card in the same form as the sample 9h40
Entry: 11h05
